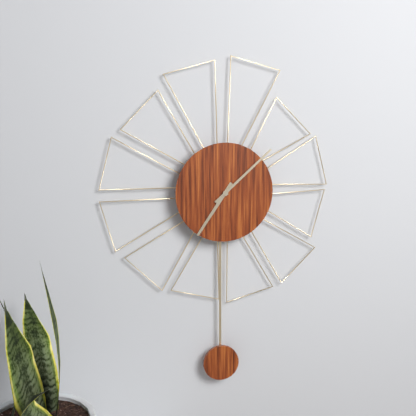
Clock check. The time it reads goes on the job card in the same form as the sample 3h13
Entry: 7h08
